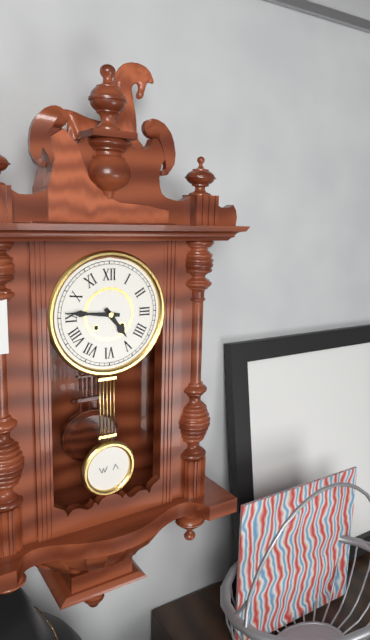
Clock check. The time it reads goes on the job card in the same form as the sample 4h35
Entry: 4h46
